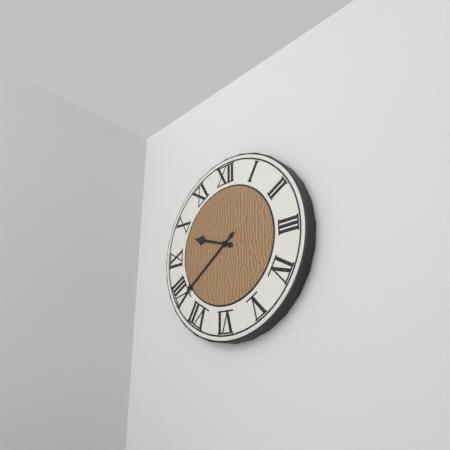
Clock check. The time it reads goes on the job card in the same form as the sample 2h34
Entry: 9h39
